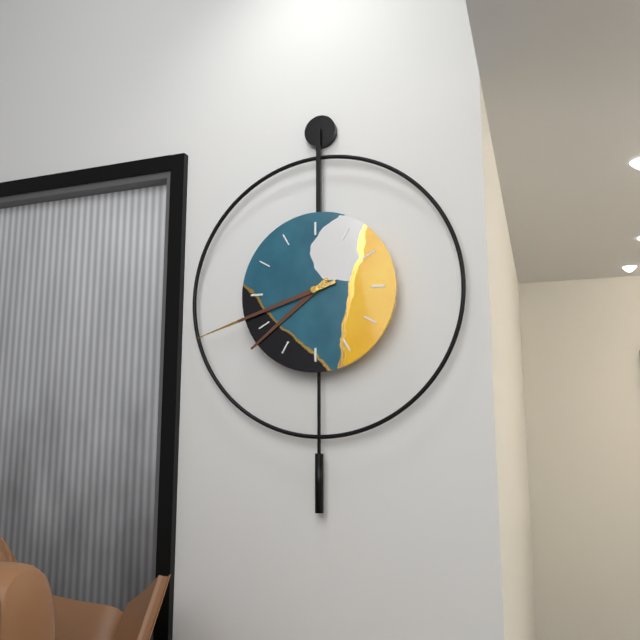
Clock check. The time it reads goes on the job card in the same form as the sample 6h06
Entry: 7h42
